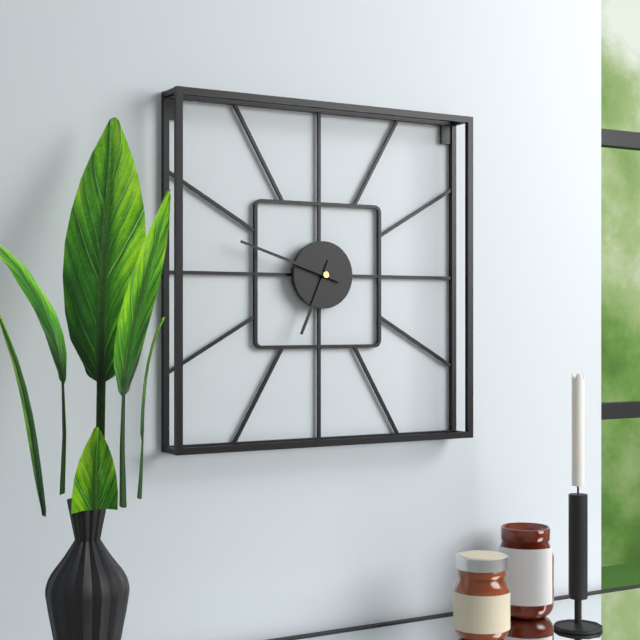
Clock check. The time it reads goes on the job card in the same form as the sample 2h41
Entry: 6h48
